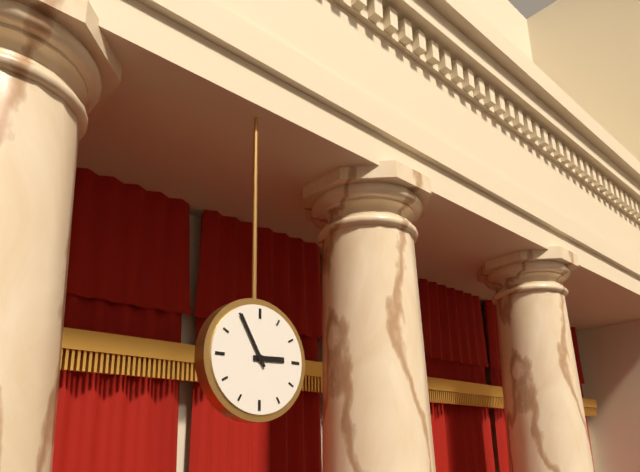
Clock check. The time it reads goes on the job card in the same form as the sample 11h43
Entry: 2h55
